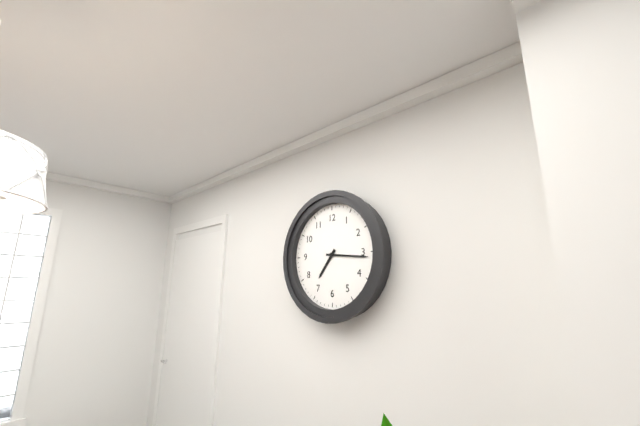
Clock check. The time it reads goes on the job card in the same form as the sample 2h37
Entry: 7h16
